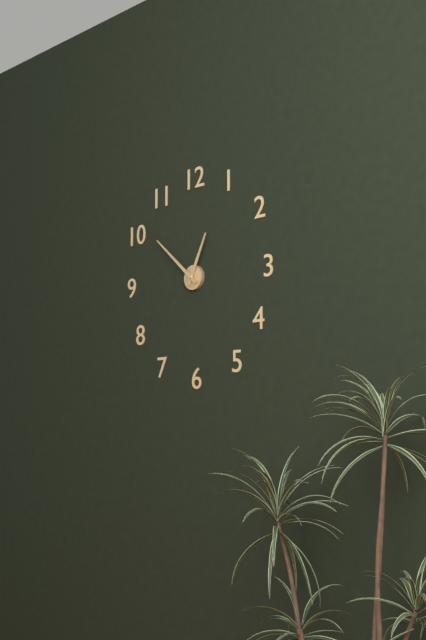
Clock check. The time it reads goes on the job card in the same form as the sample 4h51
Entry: 12h52
